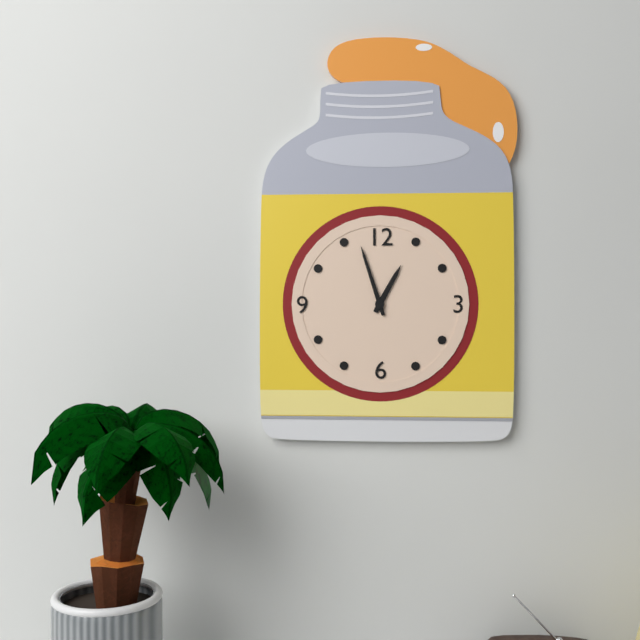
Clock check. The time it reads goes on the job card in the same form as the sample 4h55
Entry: 12h57
